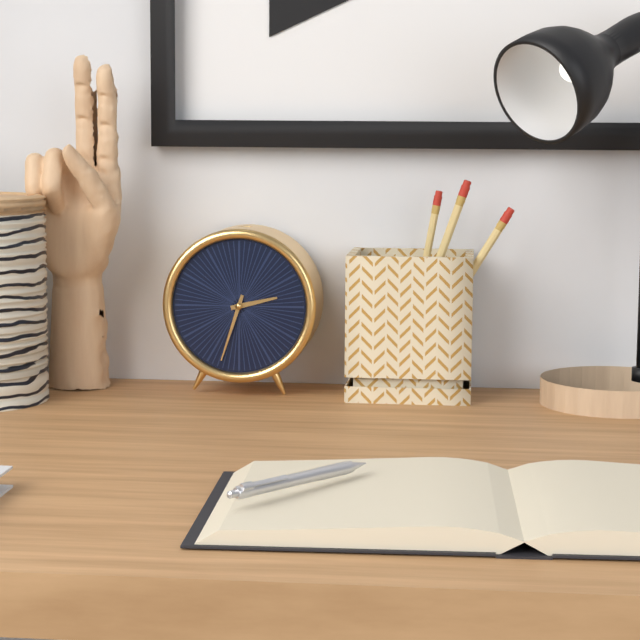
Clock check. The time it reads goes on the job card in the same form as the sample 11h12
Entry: 2h33
